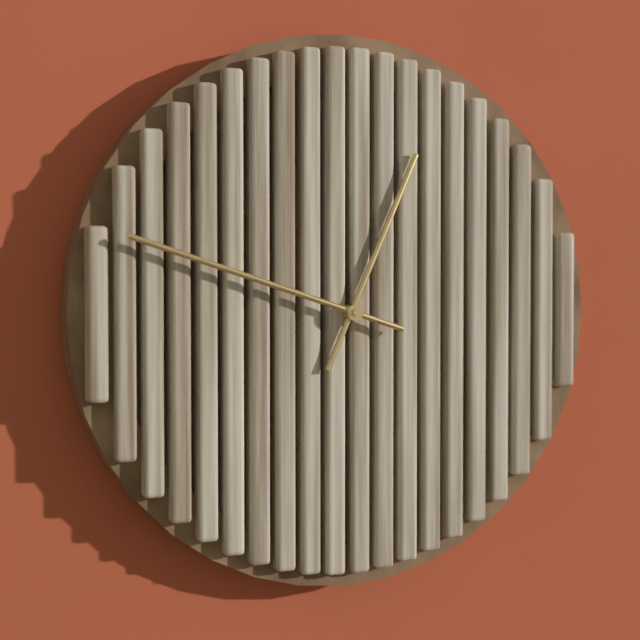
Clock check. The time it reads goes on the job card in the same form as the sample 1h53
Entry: 12h48
